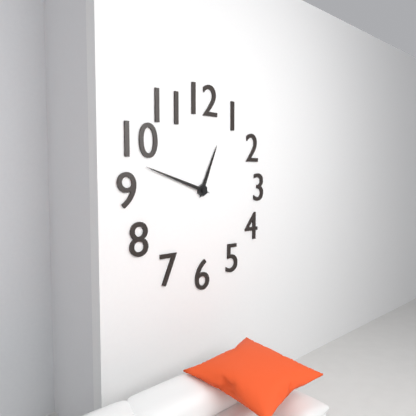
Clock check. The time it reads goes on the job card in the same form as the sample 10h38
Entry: 12h48
